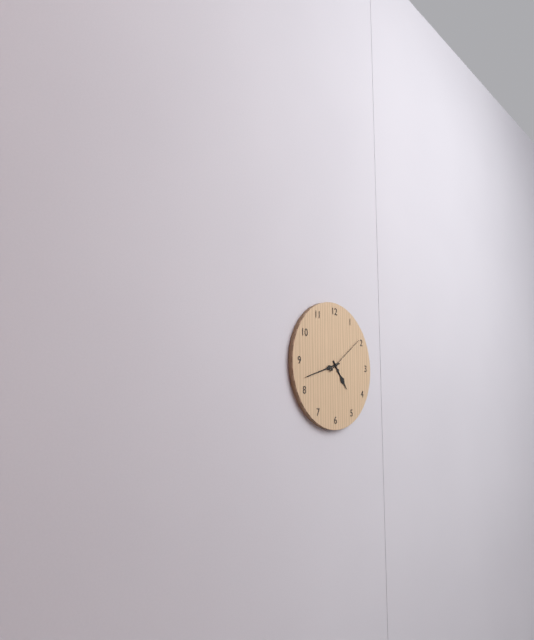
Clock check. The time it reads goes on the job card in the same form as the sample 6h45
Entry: 4h42
